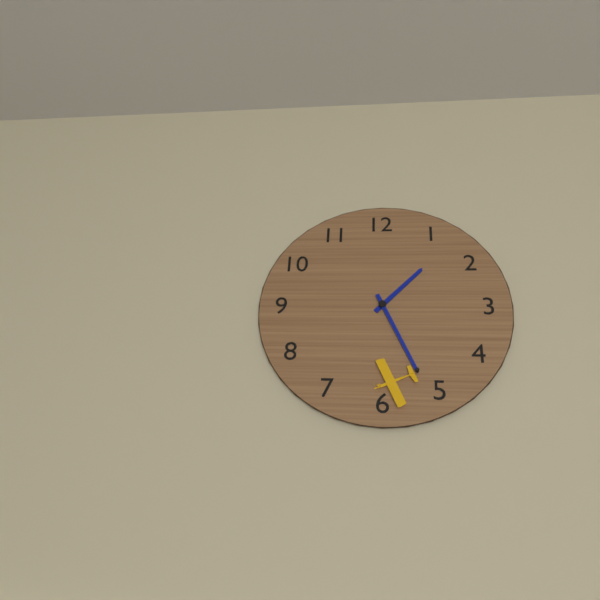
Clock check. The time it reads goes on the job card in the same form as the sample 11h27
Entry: 1h26
